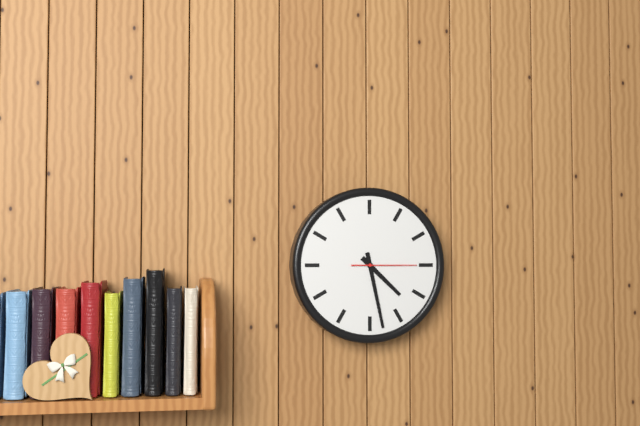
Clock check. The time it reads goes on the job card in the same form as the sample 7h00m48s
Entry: 4h28m15s
